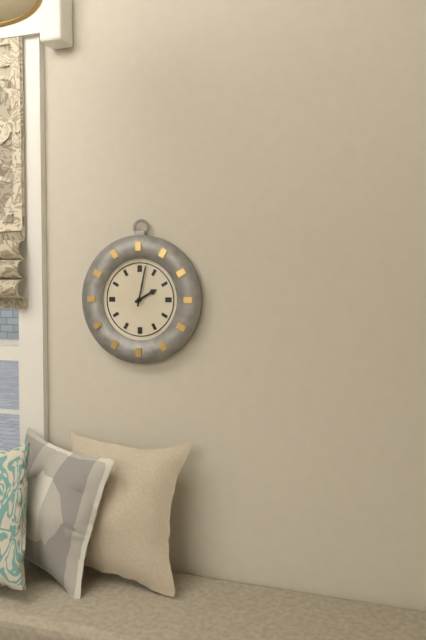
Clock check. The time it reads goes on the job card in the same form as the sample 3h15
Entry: 2h02
